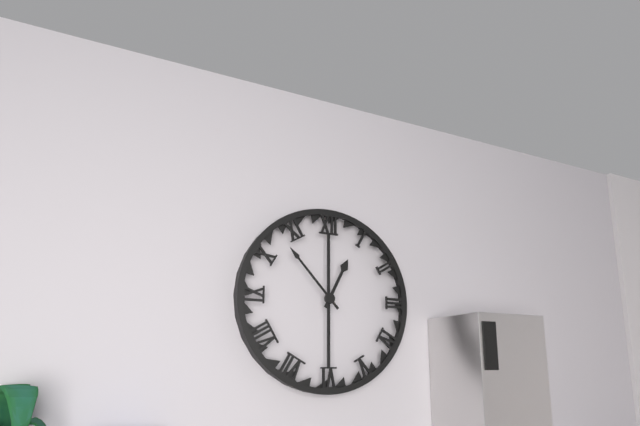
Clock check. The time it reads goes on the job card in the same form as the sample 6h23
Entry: 12h53
